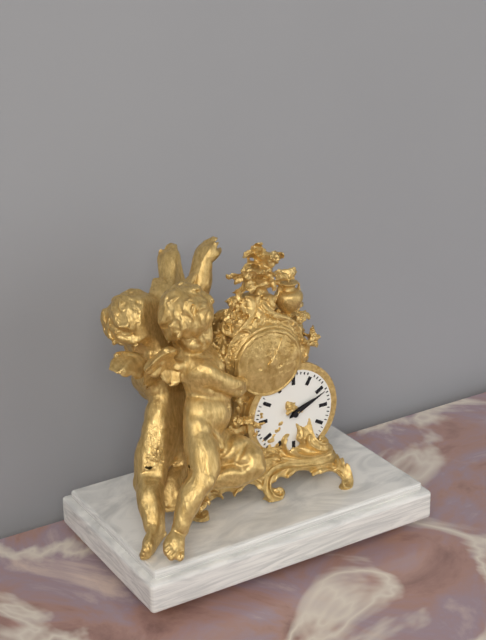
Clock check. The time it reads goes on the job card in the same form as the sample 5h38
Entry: 2h11
